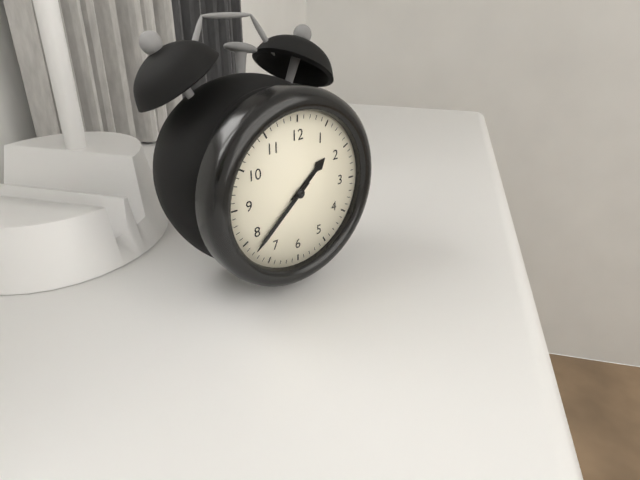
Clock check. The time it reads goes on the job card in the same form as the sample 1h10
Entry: 1h38
